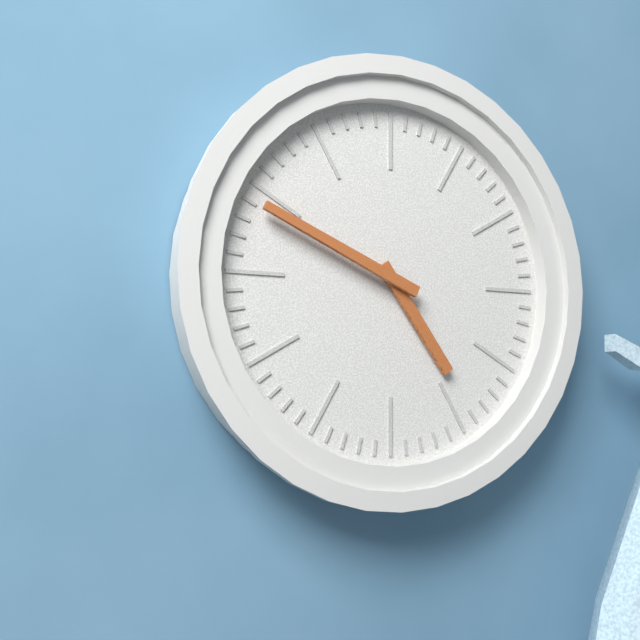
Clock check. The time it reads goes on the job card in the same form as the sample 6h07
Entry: 4h49
